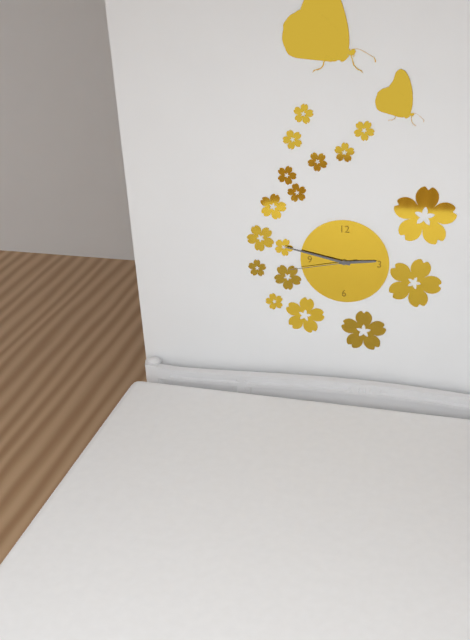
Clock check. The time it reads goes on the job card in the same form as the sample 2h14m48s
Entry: 2h47m43s
